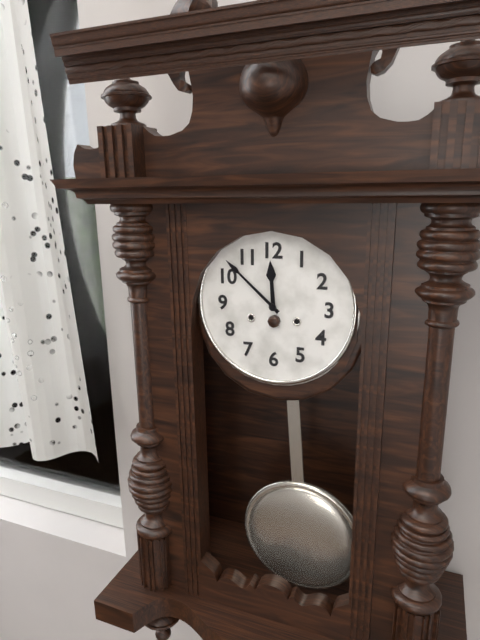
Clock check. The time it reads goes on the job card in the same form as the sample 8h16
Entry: 11h52
